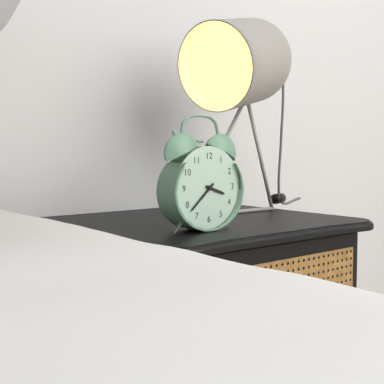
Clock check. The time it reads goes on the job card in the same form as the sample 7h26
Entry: 3h38
